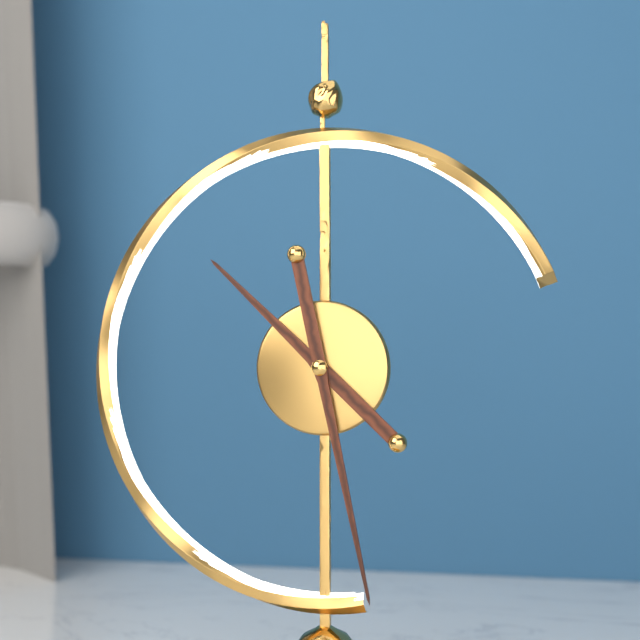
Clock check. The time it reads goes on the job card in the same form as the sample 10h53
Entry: 10h28
